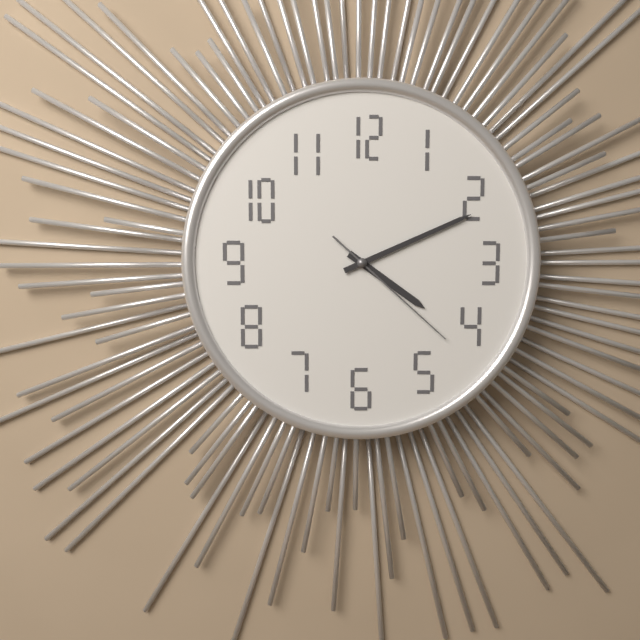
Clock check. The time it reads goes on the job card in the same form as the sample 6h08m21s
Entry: 4h11m22s
